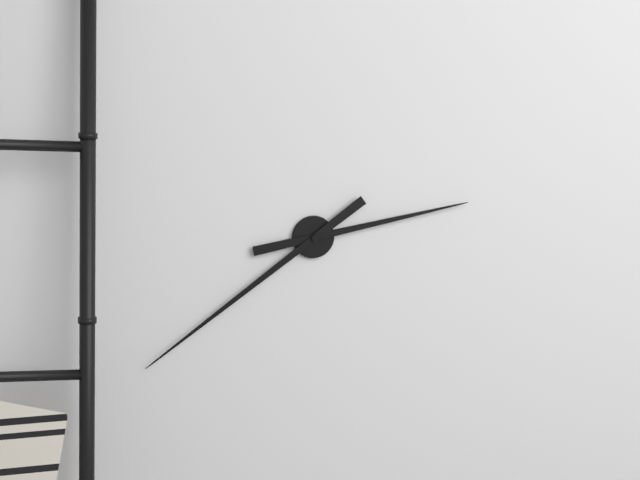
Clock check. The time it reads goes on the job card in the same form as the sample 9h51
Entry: 2h39
